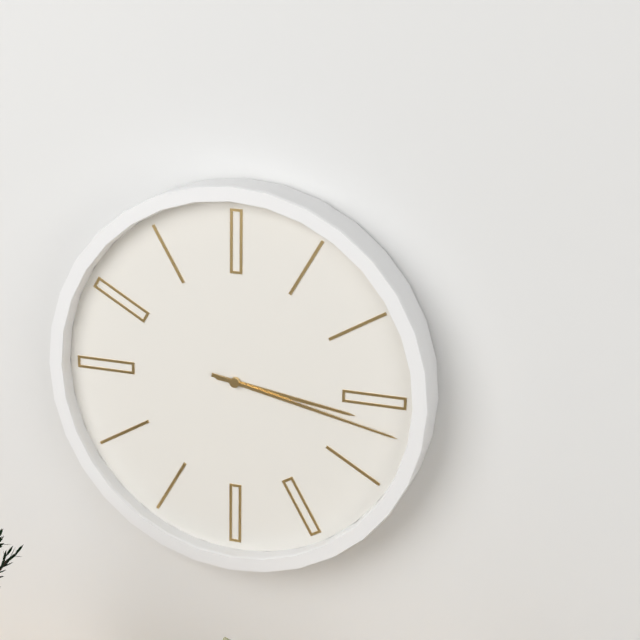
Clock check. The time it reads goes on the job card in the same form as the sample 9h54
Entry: 3h17
